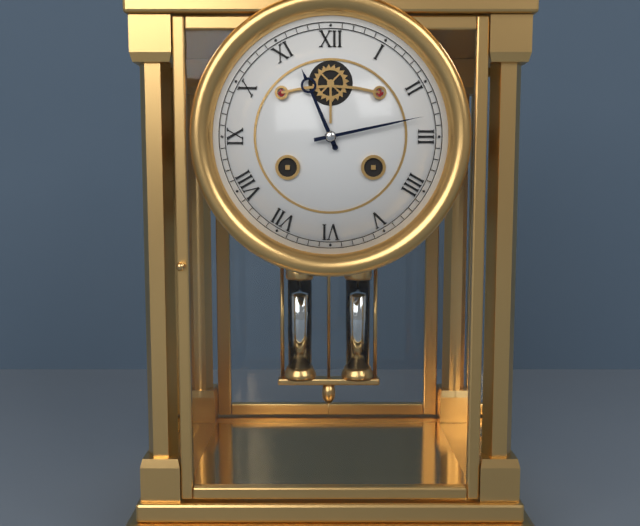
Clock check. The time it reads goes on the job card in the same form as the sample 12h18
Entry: 11h13
